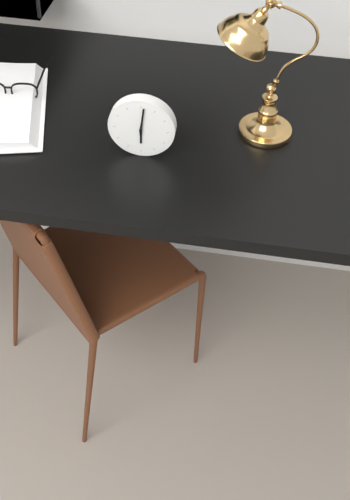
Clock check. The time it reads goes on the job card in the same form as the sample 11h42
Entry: 6h01
